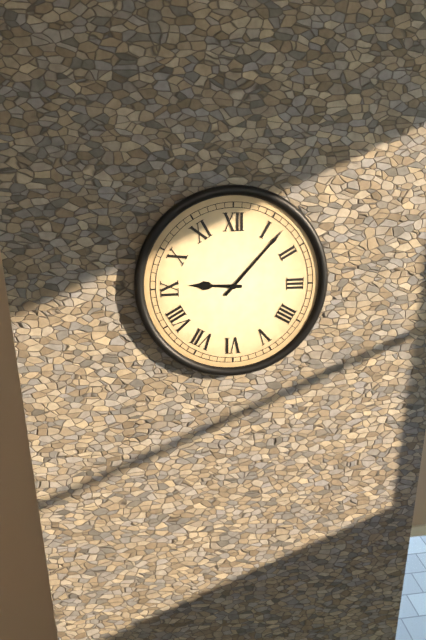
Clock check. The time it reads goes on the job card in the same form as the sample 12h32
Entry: 9h07
